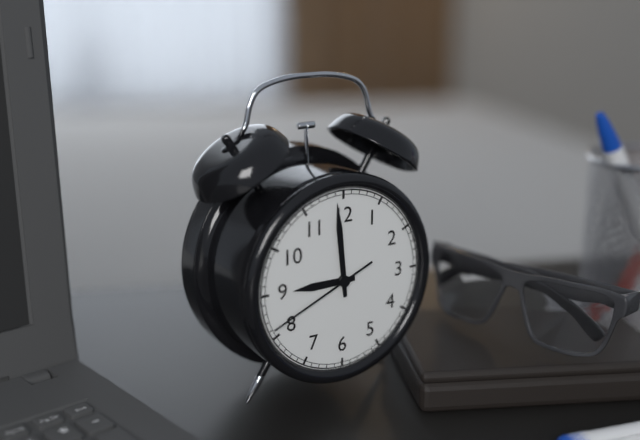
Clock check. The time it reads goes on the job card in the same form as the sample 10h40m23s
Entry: 8h59m41s
